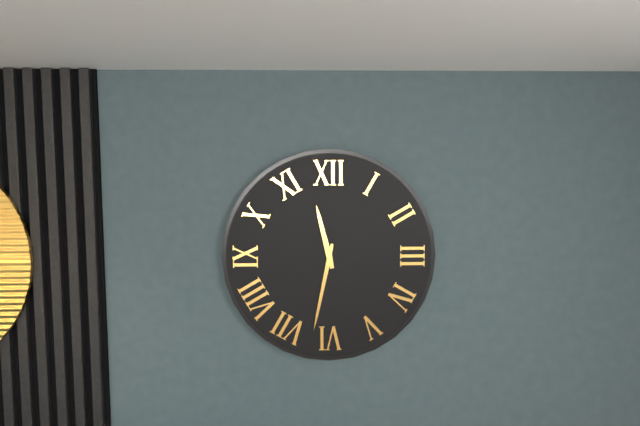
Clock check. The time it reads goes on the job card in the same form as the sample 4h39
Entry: 11h32
